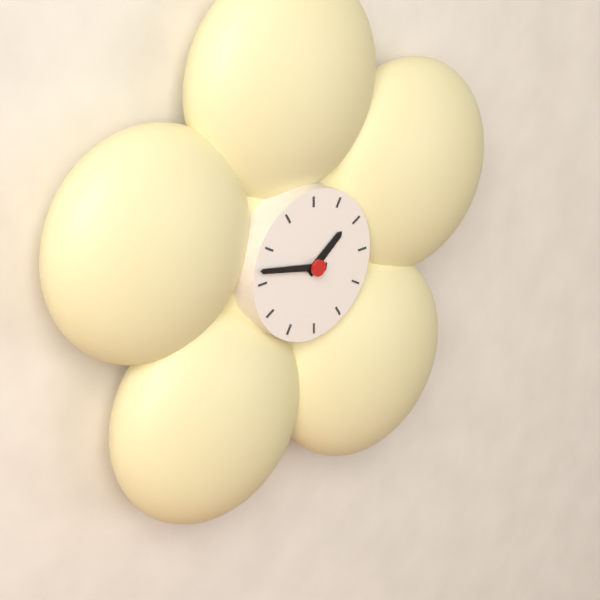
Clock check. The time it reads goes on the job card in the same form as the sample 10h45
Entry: 1h47
